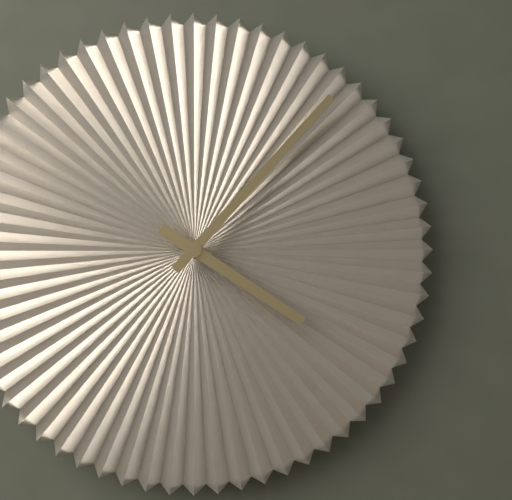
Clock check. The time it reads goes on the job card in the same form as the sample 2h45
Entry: 4h07
